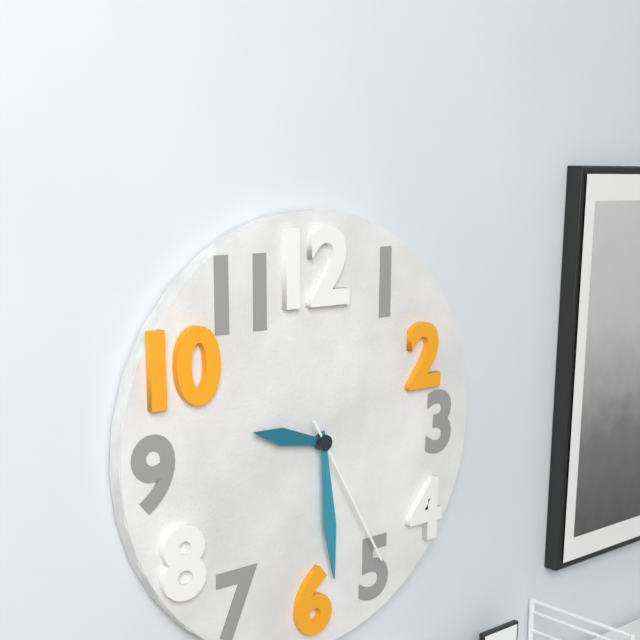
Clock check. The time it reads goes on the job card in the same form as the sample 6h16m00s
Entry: 9h29m25s
